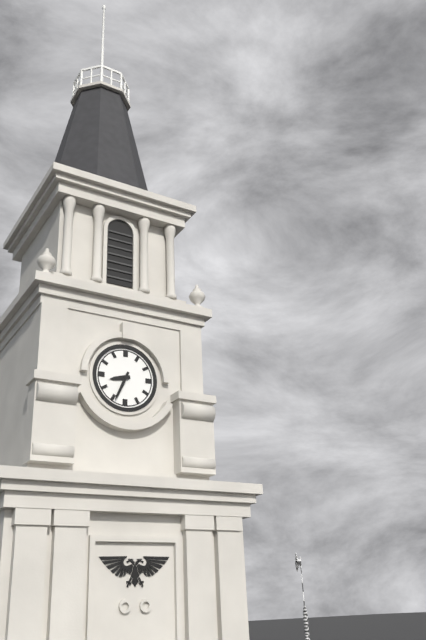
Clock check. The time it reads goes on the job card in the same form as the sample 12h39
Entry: 8h34
